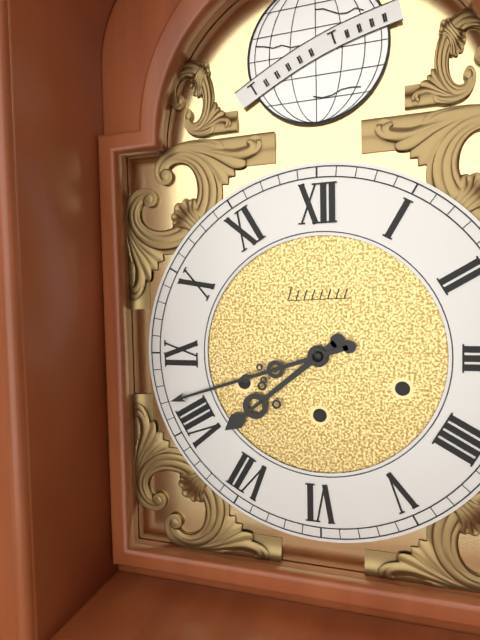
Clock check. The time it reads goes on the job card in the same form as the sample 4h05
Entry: 7h42
